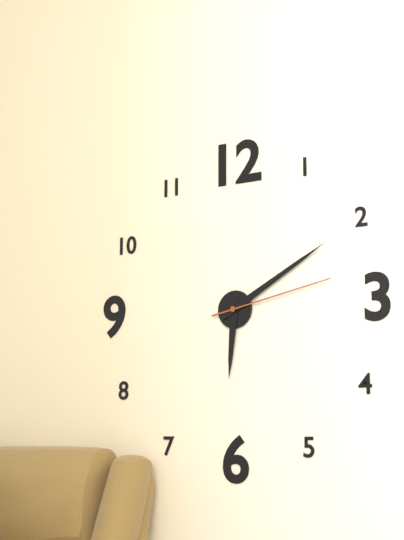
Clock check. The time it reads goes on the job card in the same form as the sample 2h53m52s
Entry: 6h10m13s
